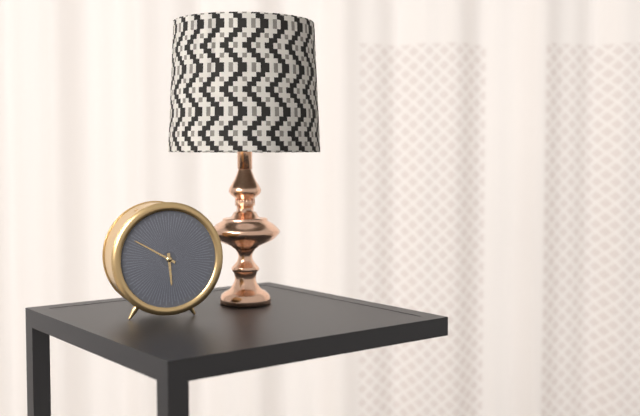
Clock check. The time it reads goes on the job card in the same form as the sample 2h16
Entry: 5h50
